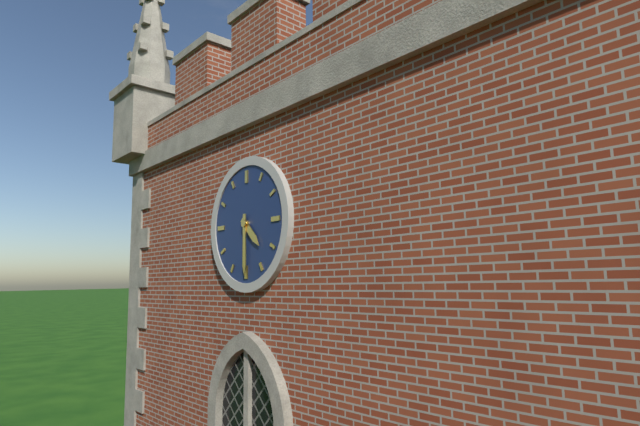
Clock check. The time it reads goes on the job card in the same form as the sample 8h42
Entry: 4h30
